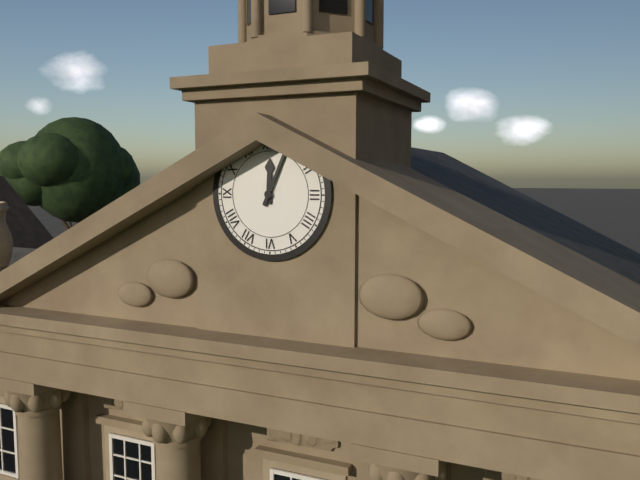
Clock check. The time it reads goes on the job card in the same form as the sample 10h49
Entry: 12h04
